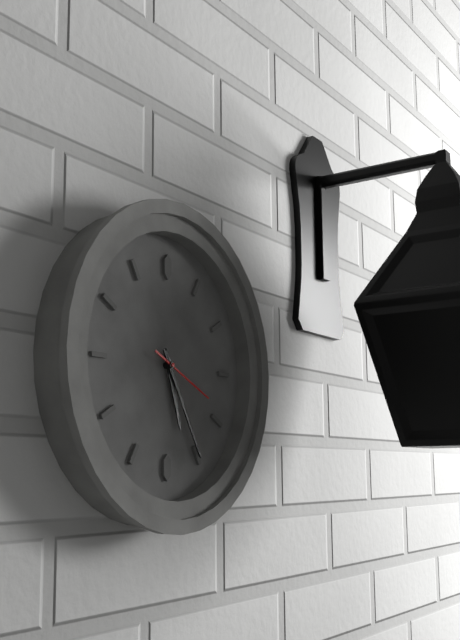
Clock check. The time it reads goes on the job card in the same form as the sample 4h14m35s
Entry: 5h25m19s
